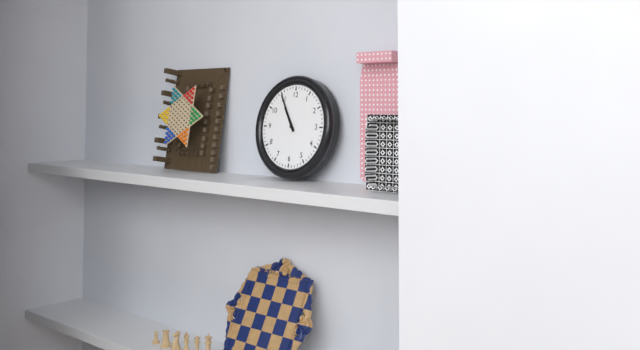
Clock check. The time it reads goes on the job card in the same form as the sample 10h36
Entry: 10h55
